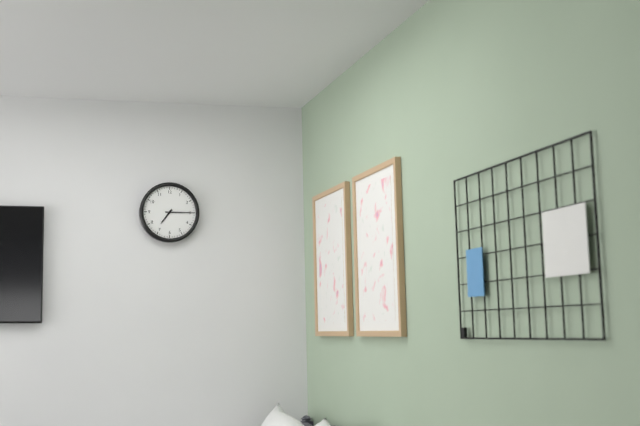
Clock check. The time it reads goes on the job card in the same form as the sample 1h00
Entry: 7h15
